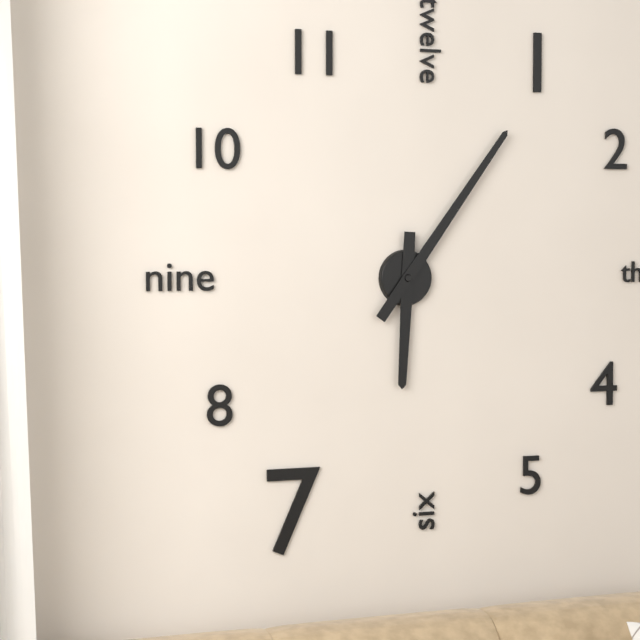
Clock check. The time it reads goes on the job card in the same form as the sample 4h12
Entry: 6h06
